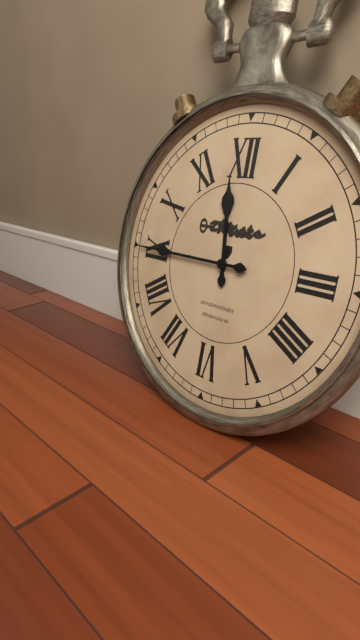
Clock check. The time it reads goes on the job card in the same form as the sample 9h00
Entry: 11h45
